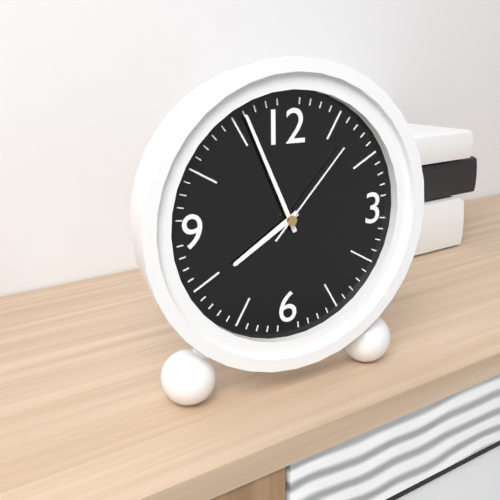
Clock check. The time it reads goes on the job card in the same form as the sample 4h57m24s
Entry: 7h56m07s
